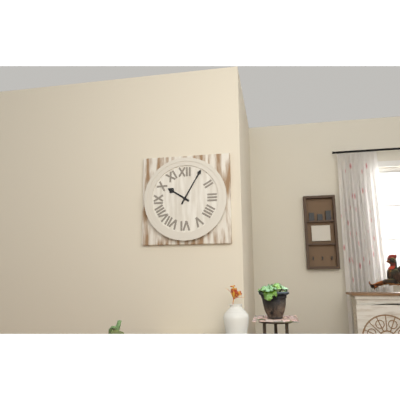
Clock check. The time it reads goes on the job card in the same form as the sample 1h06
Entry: 10h05
